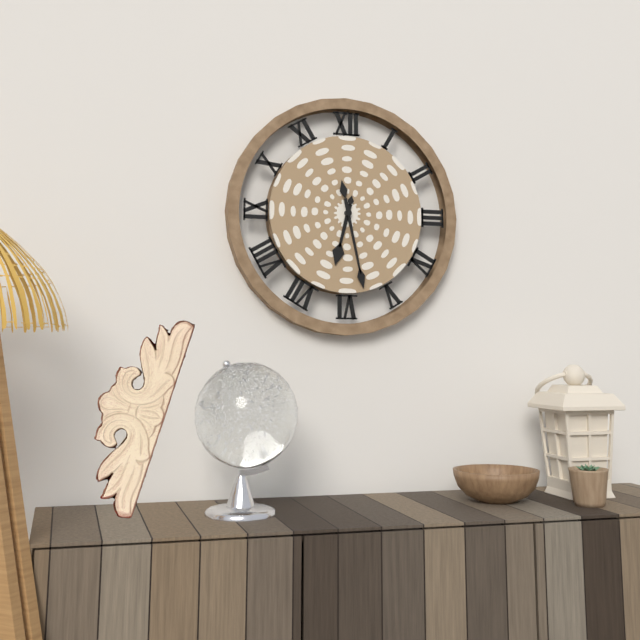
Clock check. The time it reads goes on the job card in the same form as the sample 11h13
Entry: 6h28
